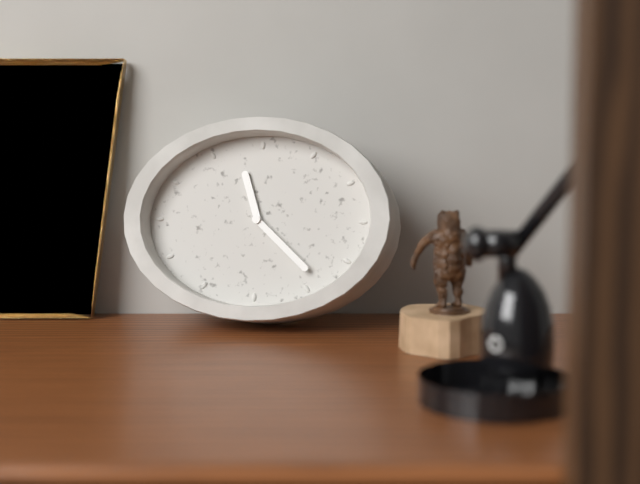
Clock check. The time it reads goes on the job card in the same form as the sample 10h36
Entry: 11h22
